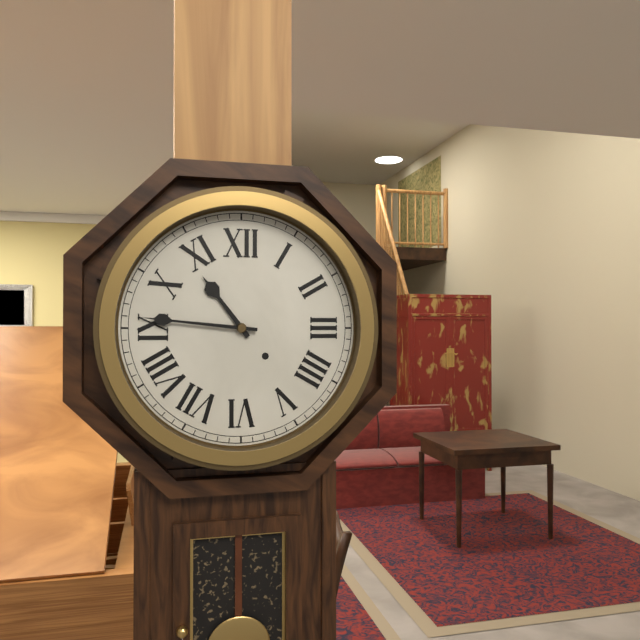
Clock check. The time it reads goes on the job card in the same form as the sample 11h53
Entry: 10h46
